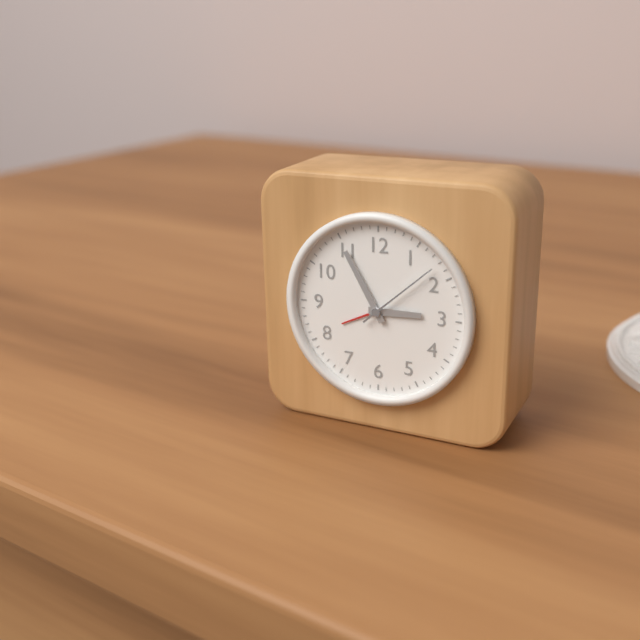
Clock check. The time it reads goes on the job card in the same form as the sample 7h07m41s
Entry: 2h55m08s
